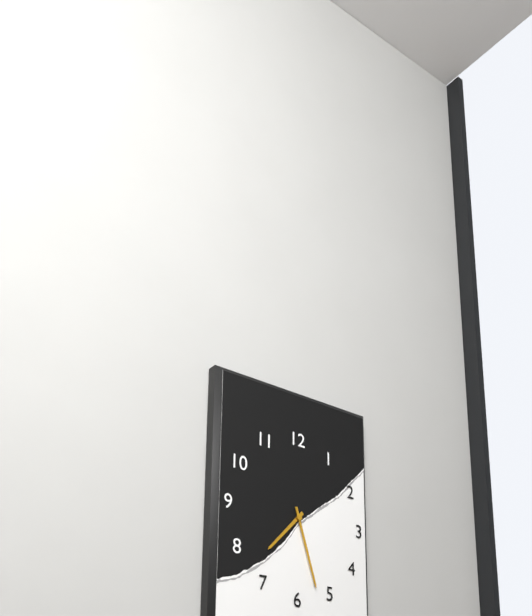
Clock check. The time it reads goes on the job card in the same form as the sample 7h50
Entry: 7h27
